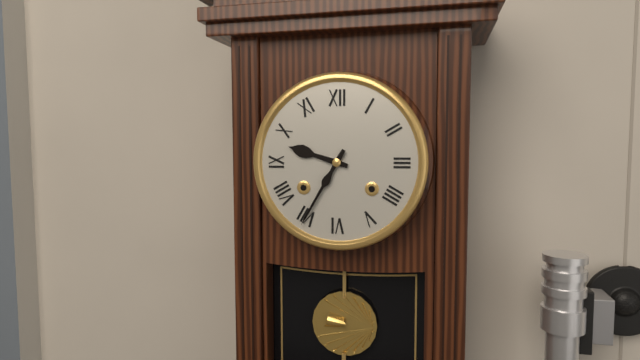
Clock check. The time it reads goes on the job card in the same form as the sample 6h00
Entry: 9h35
